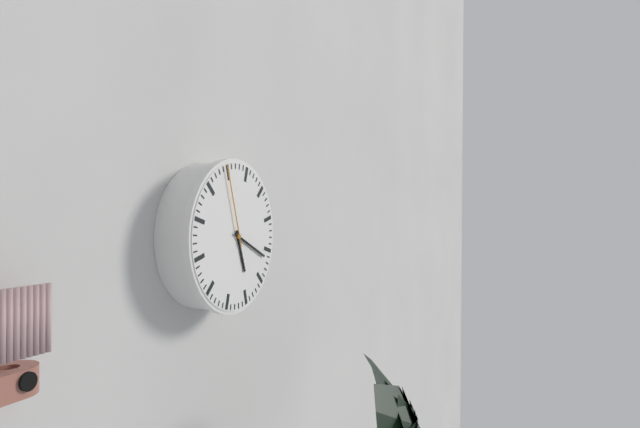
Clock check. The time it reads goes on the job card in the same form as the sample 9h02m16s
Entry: 5h19m57s
